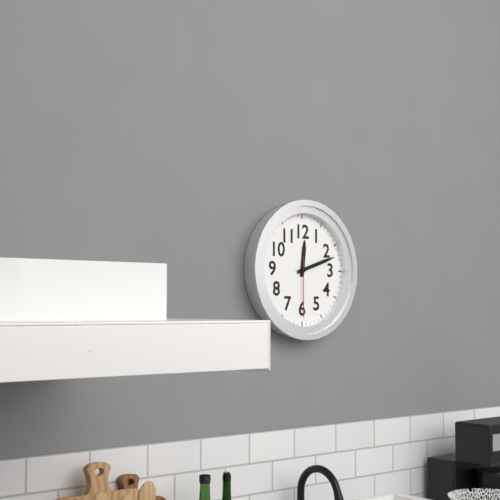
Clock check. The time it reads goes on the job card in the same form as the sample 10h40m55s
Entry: 12h12m30s
